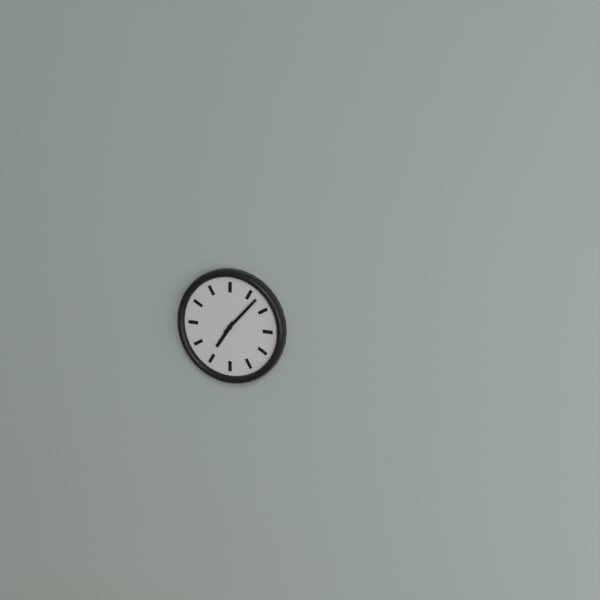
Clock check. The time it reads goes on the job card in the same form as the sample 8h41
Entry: 7h07
